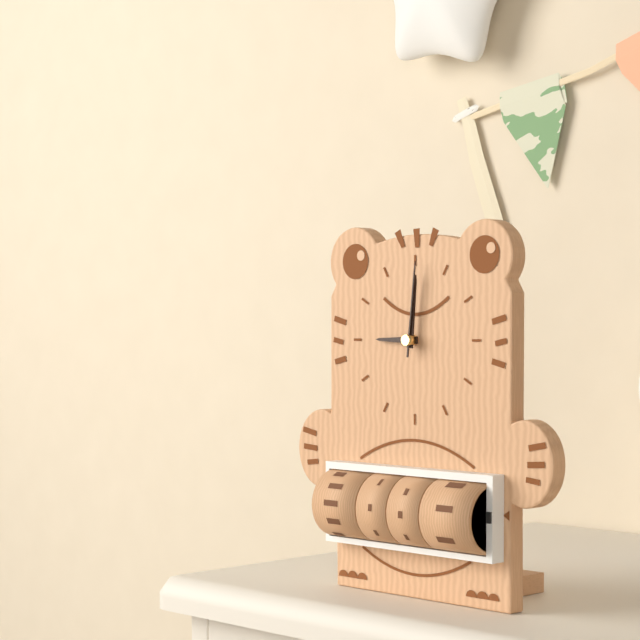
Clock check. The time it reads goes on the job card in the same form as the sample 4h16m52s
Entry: 9h01m01s
